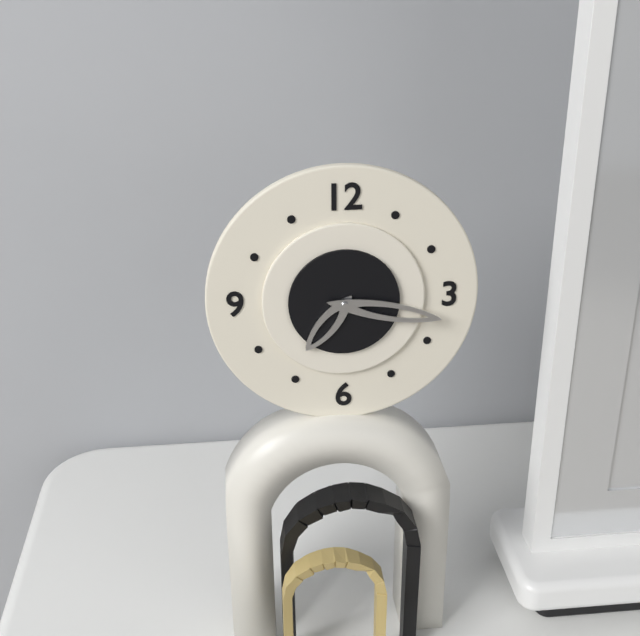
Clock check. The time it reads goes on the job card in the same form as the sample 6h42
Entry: 7h17
